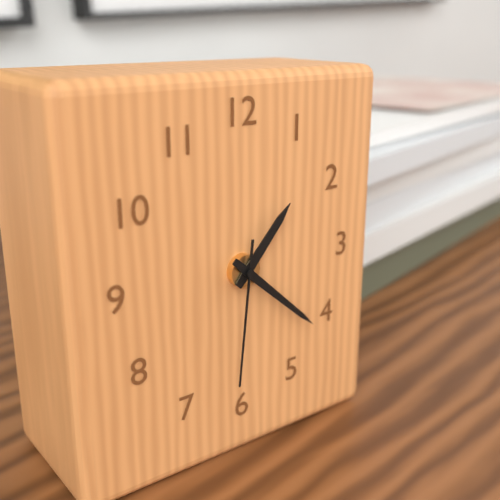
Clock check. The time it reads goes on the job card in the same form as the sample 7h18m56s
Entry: 1h22m31s
